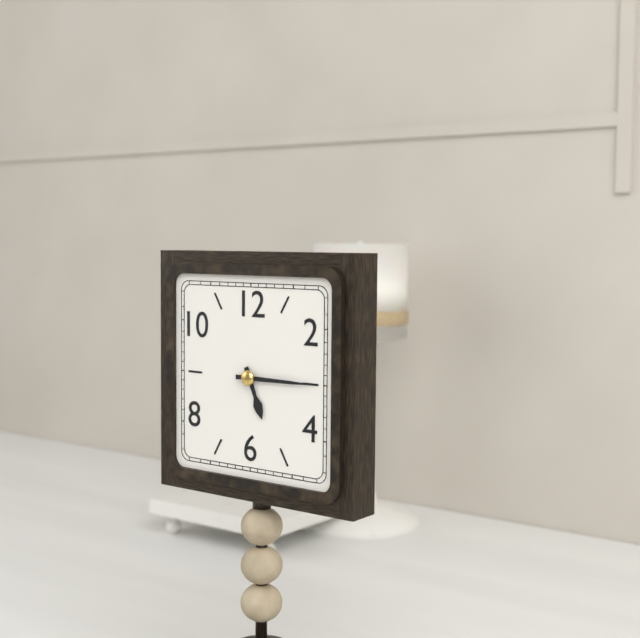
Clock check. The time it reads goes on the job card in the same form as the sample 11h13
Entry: 5h15
